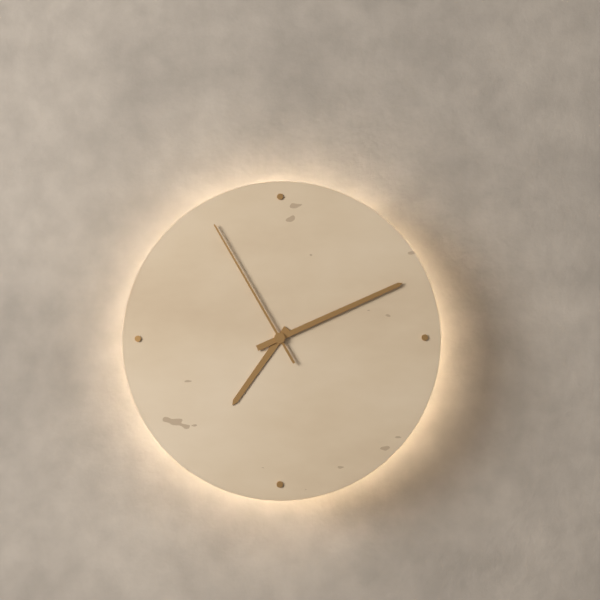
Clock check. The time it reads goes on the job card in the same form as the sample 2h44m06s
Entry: 7h11m55s
